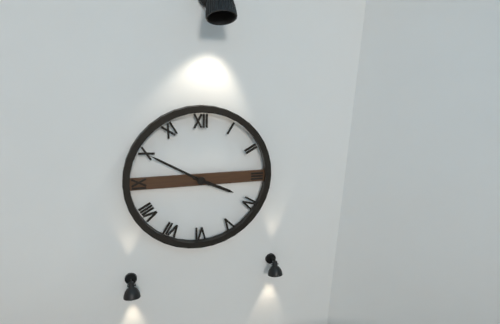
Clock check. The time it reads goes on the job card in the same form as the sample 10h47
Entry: 3h50
